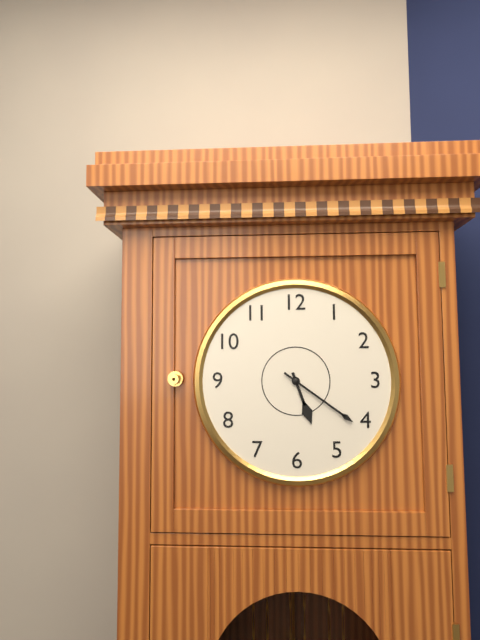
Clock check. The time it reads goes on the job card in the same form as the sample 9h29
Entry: 5h21
